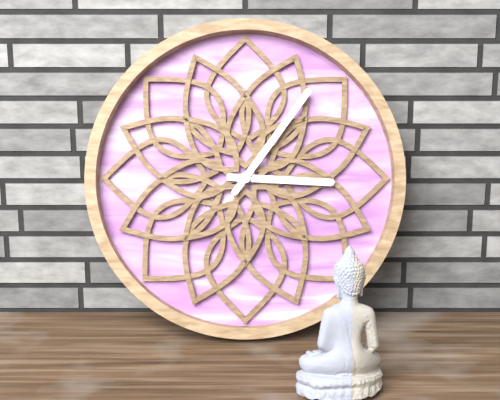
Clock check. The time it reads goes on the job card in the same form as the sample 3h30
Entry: 3h06
